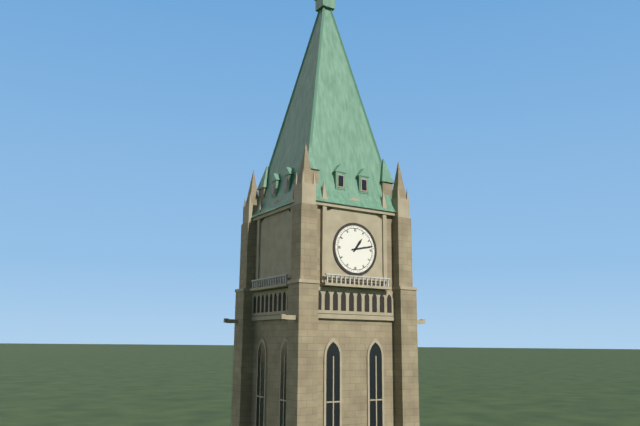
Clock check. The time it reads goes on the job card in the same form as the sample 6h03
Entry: 1h13
